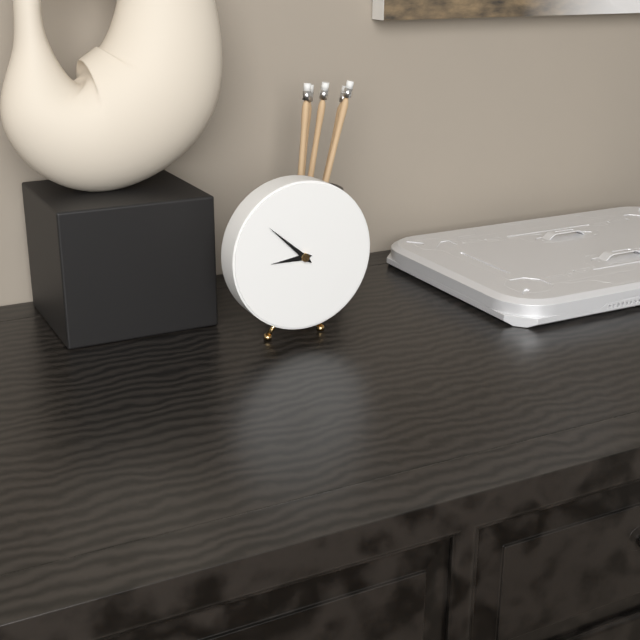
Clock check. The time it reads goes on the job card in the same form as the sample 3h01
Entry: 8h52
